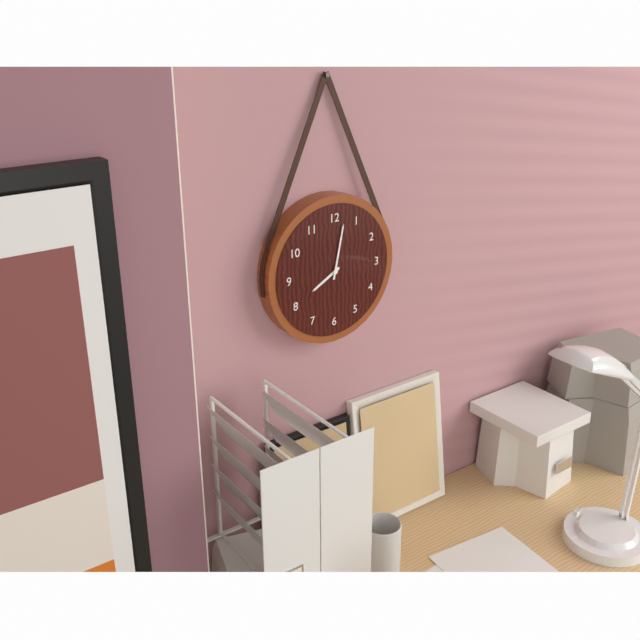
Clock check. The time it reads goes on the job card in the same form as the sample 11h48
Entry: 8h02
